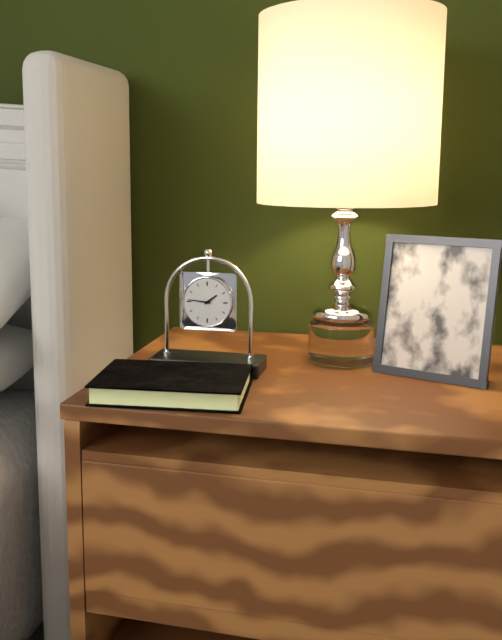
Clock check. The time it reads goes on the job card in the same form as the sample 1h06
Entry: 1h46
